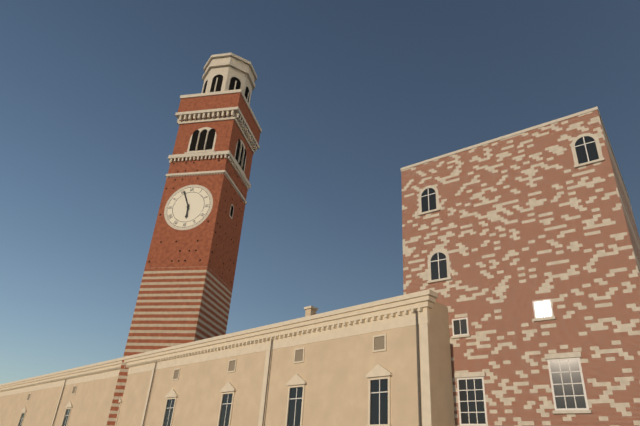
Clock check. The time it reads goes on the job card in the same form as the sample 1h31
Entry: 5h56
